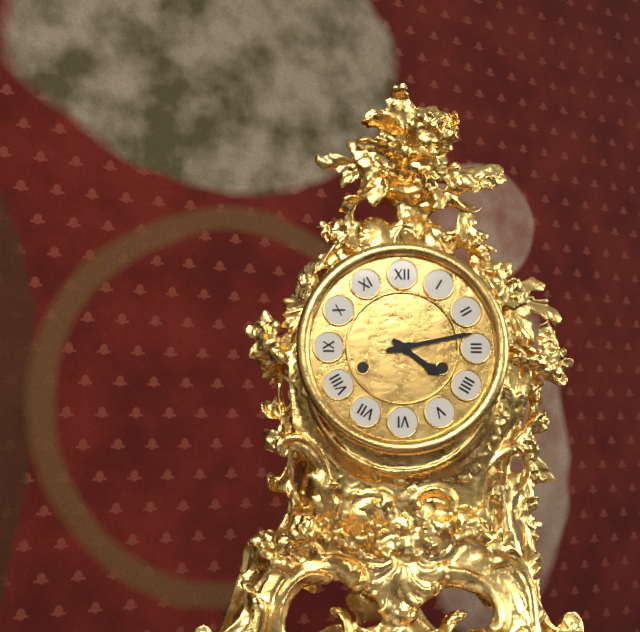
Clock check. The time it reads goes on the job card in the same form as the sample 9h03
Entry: 4h13
